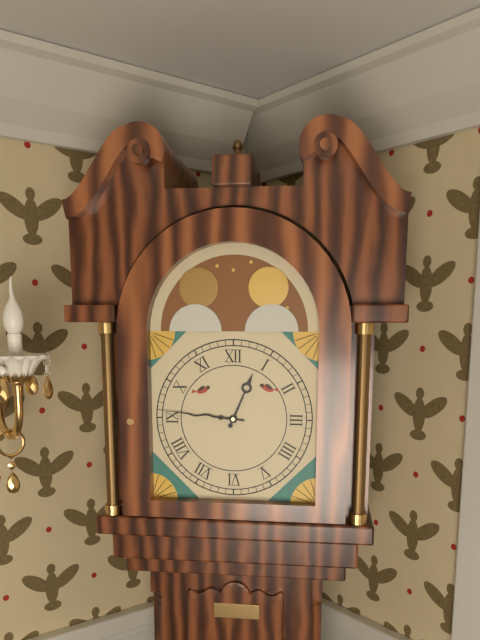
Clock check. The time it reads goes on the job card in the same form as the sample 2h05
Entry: 12h46
